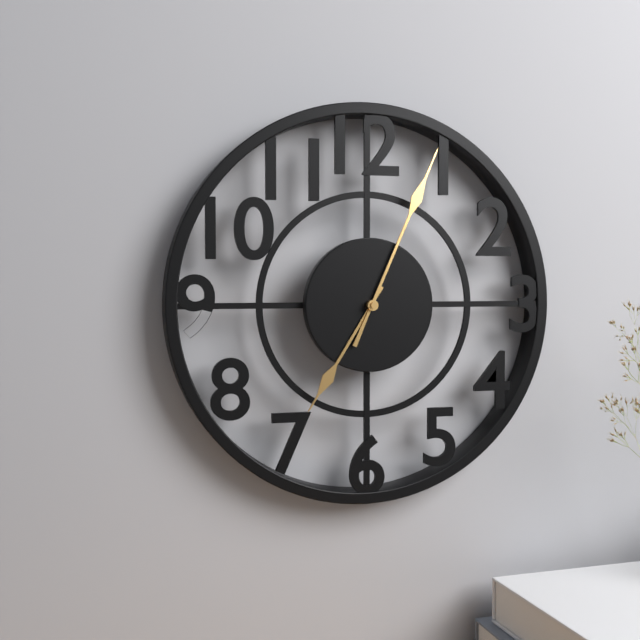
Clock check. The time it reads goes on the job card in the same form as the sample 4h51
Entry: 7h04
